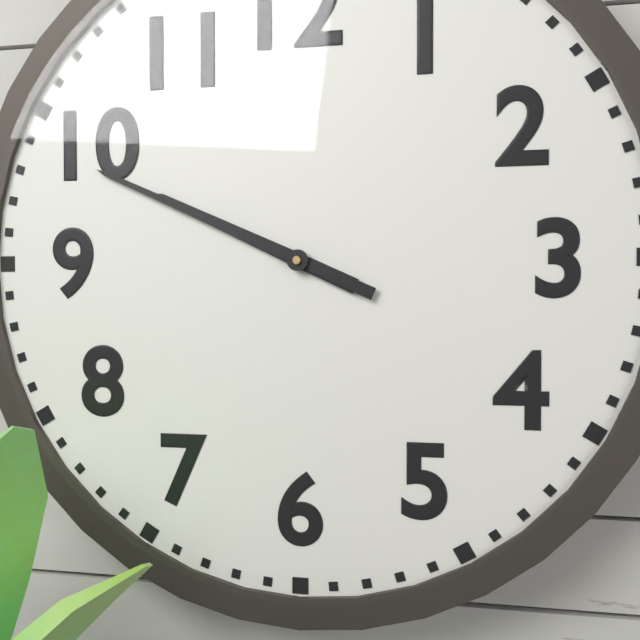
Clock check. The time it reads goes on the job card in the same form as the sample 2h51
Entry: 9h49
